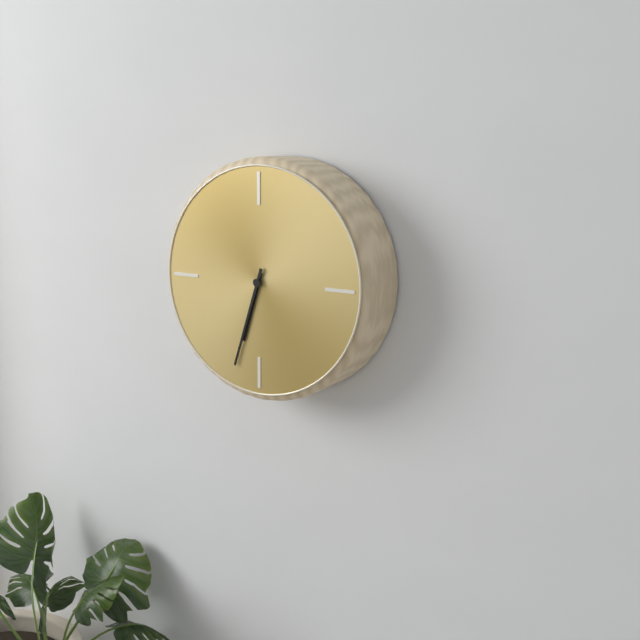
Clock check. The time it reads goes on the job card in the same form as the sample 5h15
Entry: 6h33
